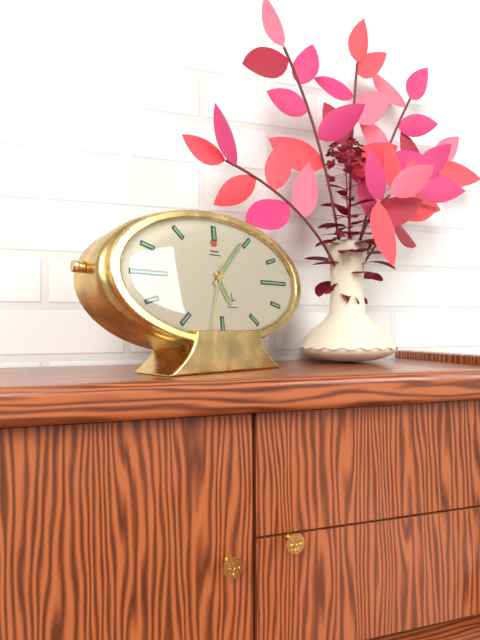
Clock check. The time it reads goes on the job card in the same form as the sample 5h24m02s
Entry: 5h07m33s
